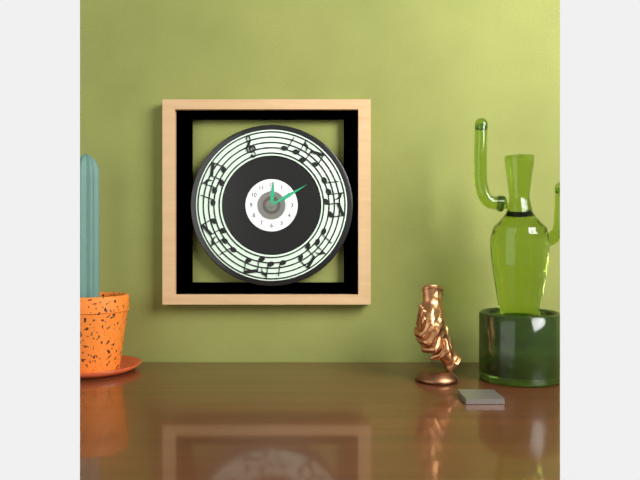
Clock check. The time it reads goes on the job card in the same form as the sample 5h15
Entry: 12h10
